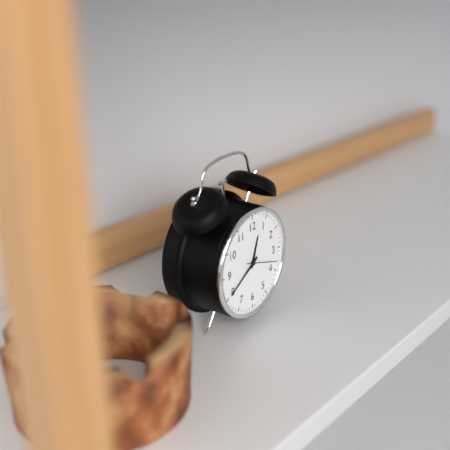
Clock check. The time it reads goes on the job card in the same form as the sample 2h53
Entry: 12h40
